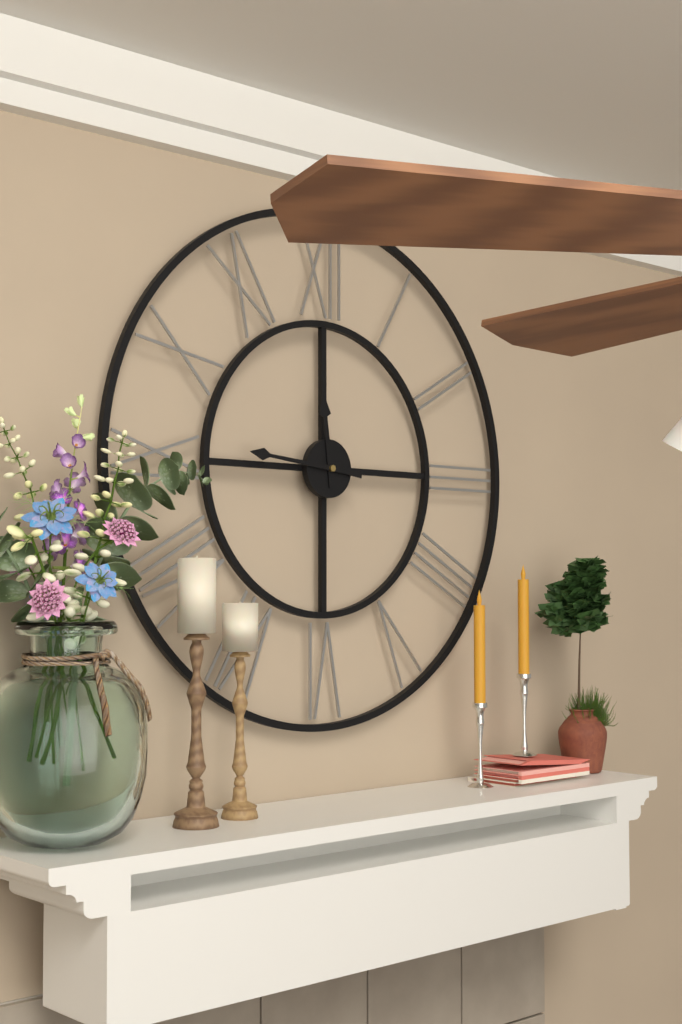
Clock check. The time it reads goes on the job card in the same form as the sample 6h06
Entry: 11h46
